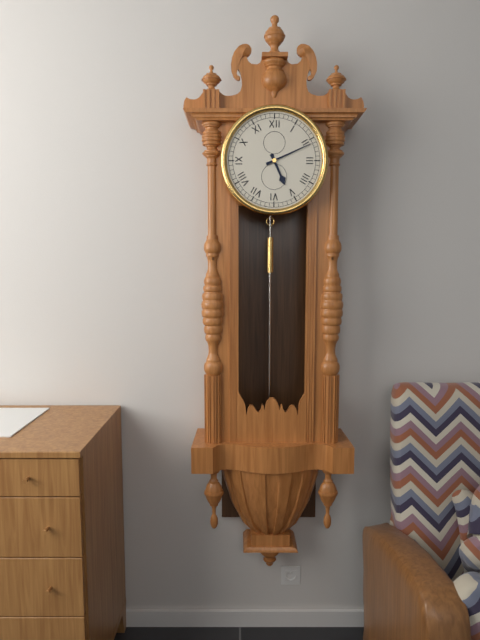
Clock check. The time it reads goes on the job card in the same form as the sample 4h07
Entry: 5h11
